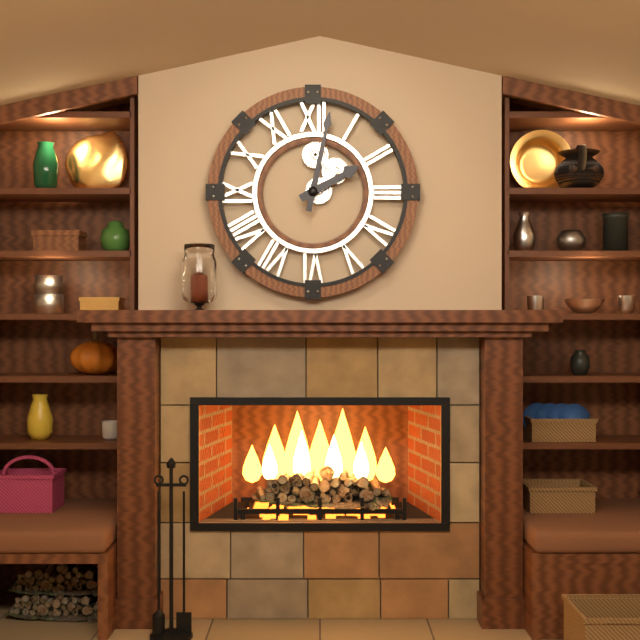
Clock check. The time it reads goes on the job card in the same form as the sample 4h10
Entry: 2h02
